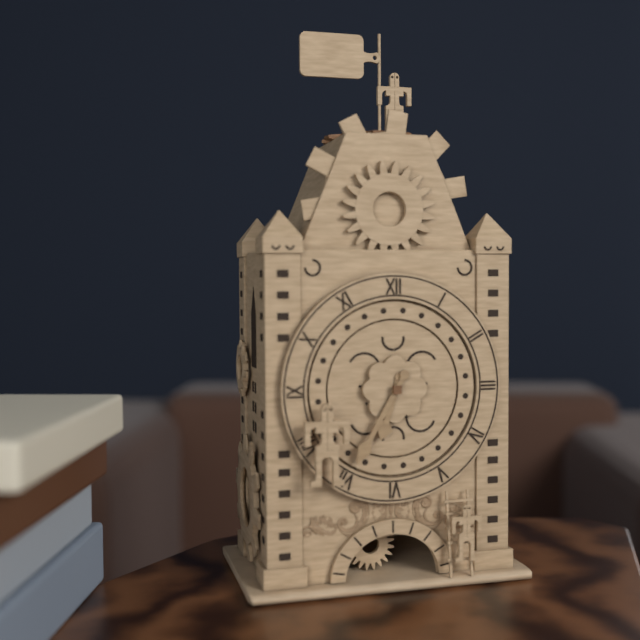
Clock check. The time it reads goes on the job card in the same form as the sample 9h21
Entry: 6h35
